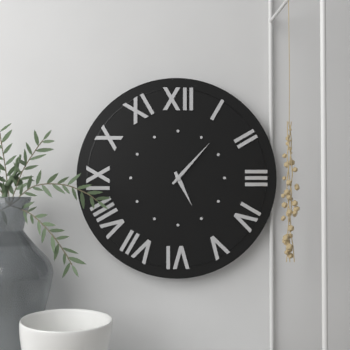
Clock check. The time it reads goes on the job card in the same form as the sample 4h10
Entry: 5h07
